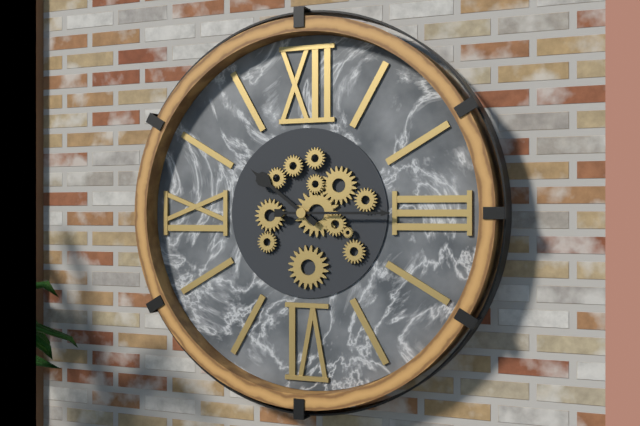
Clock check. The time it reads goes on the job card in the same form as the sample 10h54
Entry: 10h15
